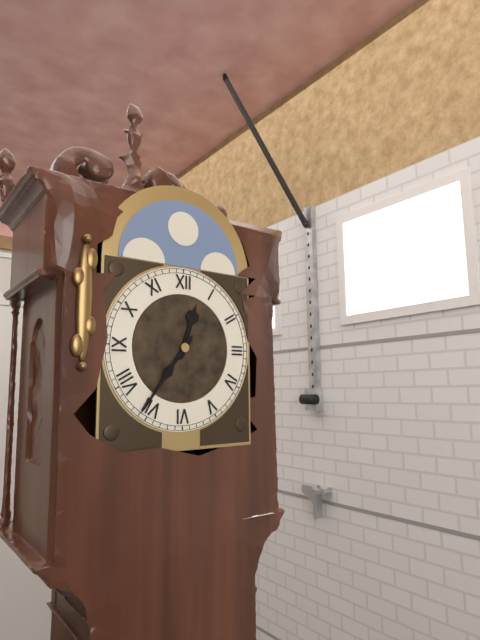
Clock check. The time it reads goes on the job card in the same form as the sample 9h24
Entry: 12h36
